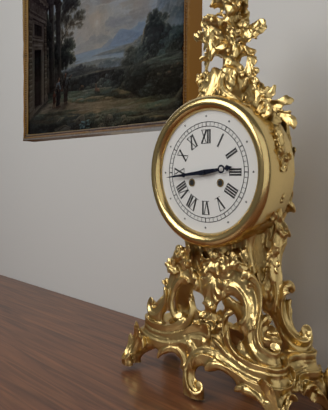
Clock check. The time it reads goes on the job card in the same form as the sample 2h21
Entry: 2h44
